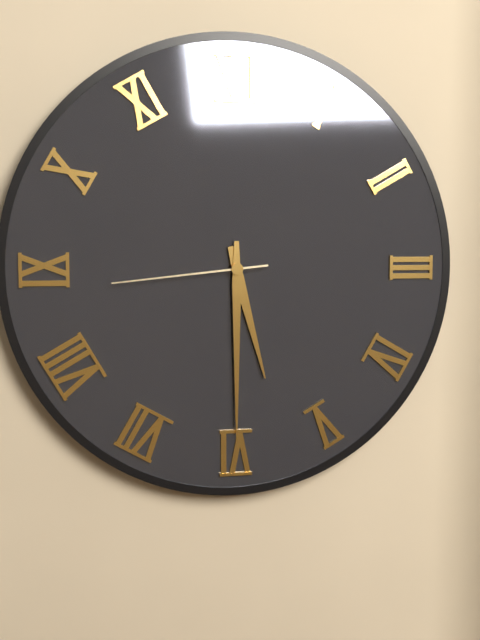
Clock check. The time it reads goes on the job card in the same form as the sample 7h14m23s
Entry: 5h30m44s
